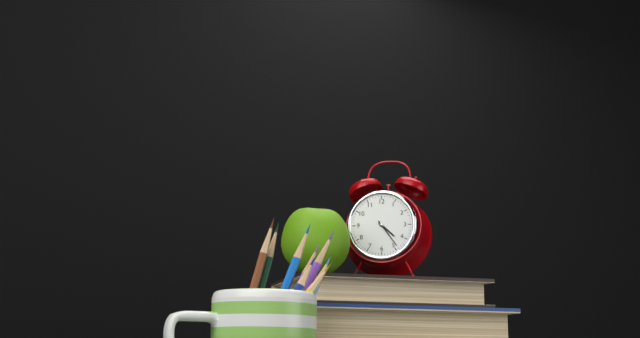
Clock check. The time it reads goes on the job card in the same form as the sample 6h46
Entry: 4h24
